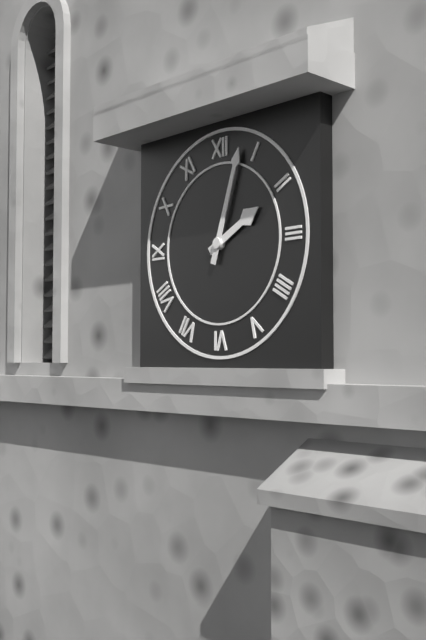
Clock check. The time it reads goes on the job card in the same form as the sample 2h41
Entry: 2h03
